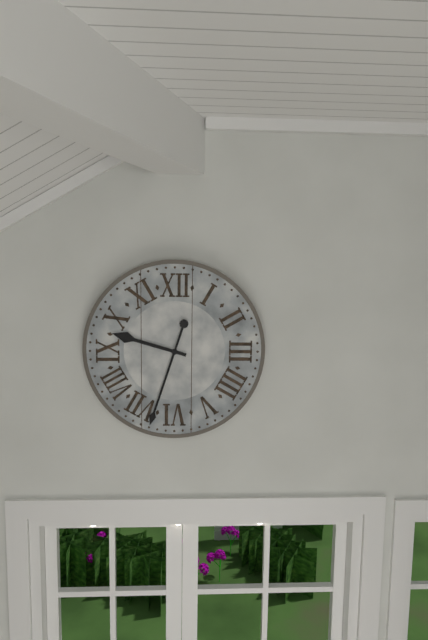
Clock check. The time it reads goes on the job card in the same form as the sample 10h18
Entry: 9h33
